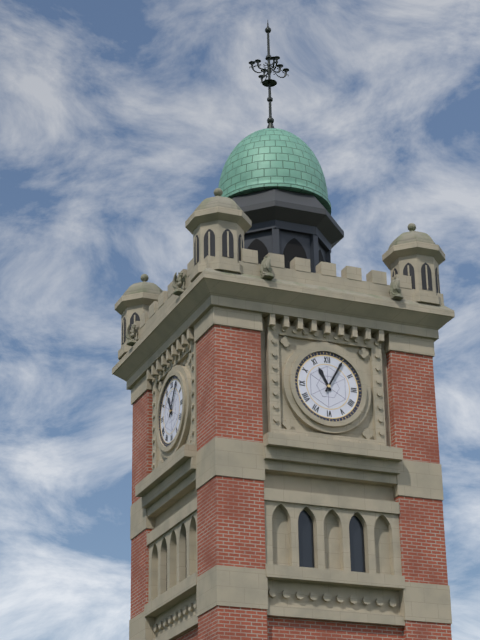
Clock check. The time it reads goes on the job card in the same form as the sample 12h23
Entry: 11h05
